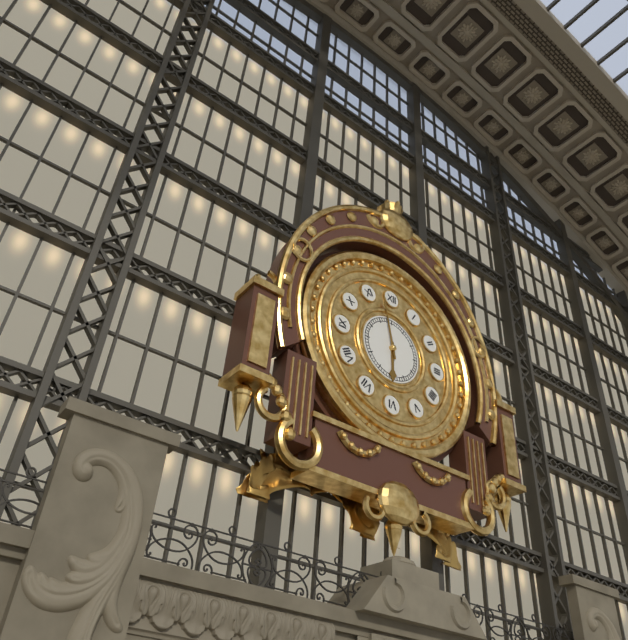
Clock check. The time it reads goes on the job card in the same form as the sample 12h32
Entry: 5h58
